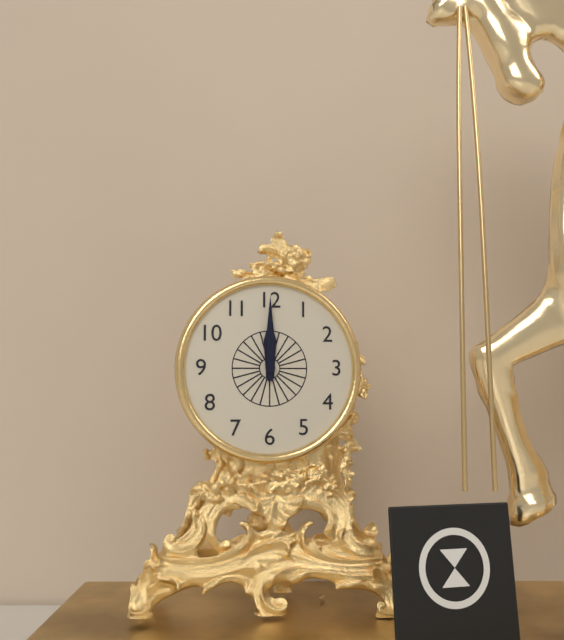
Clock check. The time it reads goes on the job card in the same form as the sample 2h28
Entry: 12h00
